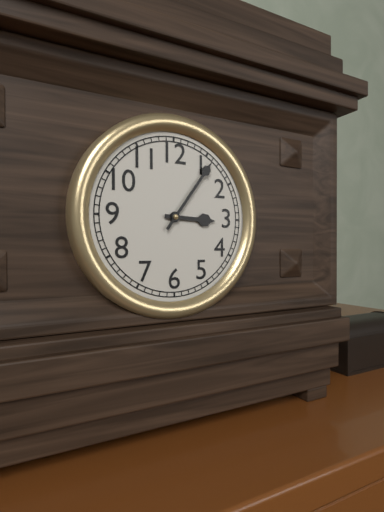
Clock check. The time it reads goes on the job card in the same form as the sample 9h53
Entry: 3h06
